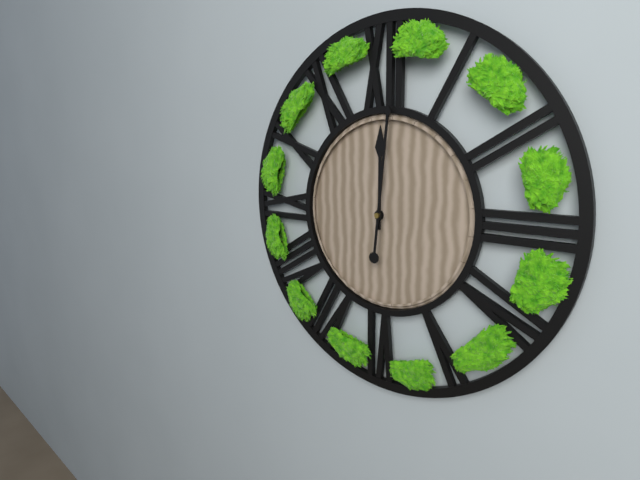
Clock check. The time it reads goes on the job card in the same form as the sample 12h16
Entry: 12h01
